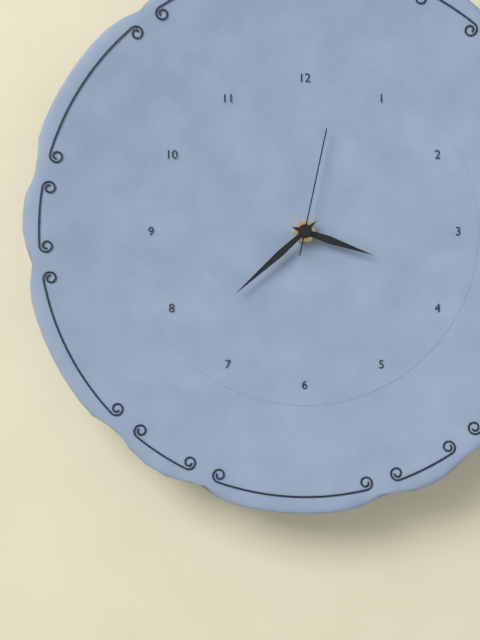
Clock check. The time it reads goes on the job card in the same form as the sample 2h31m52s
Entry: 3h38m02s
